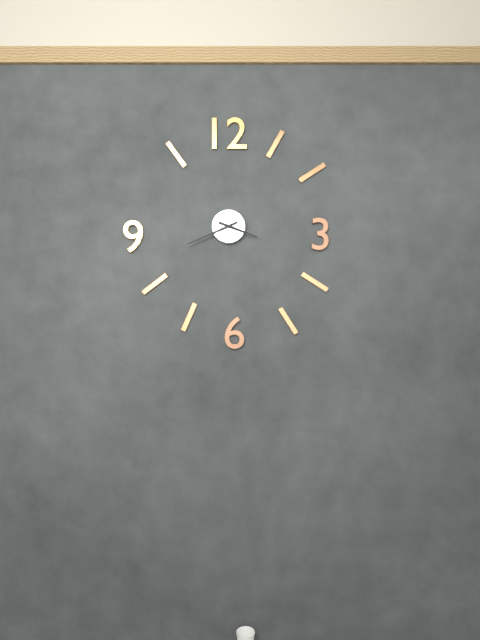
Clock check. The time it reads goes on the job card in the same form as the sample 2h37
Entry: 3h41
